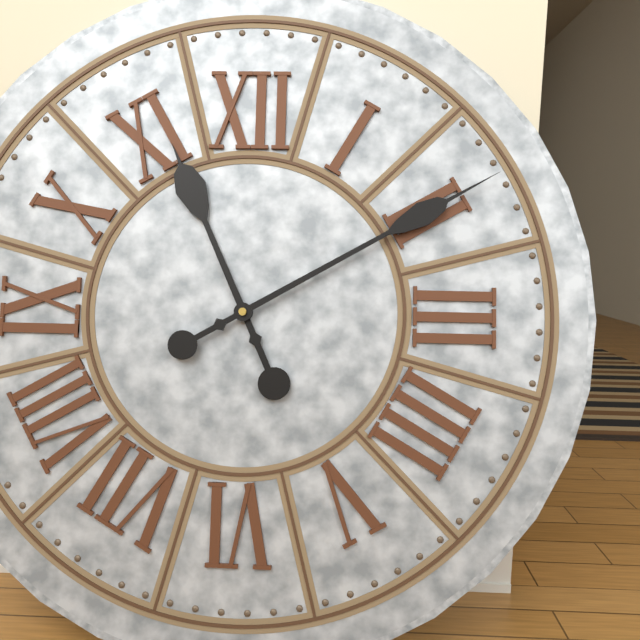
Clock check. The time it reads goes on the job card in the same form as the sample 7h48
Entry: 11h10
